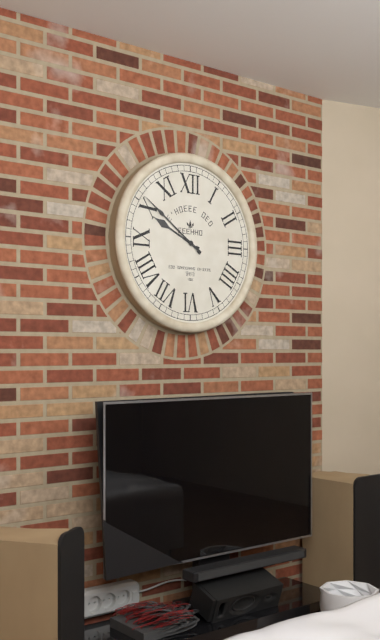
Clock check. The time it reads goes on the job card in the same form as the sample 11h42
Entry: 9h51
